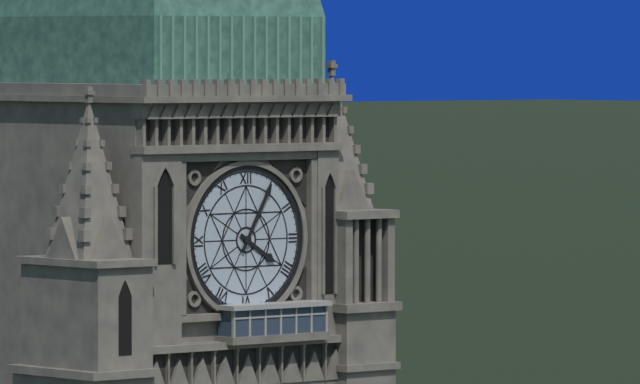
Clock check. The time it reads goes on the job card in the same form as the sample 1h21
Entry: 4h05
